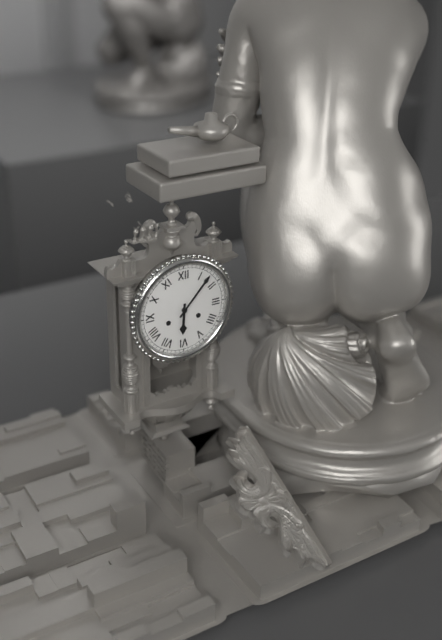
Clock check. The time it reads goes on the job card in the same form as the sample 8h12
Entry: 6h07
